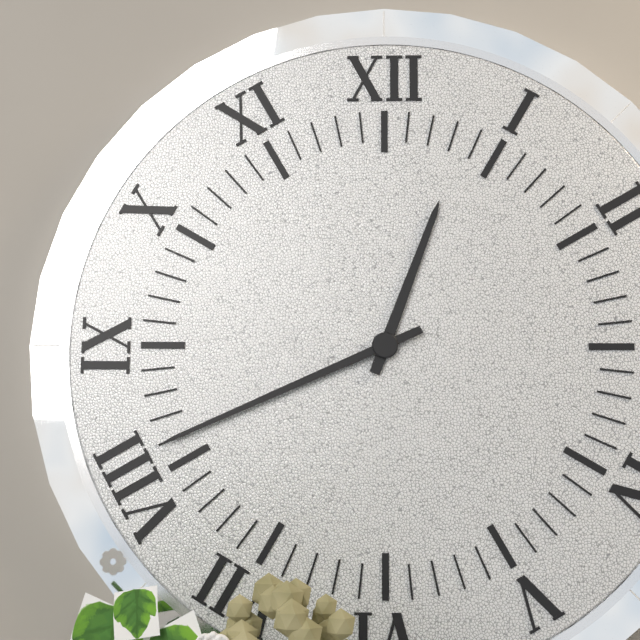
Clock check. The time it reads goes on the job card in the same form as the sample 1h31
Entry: 12h41
